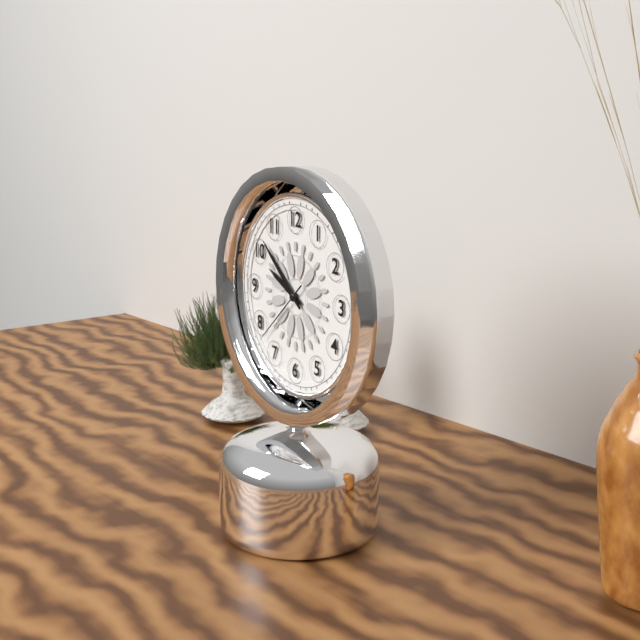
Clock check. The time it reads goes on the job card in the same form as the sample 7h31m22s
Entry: 9h52m38s
